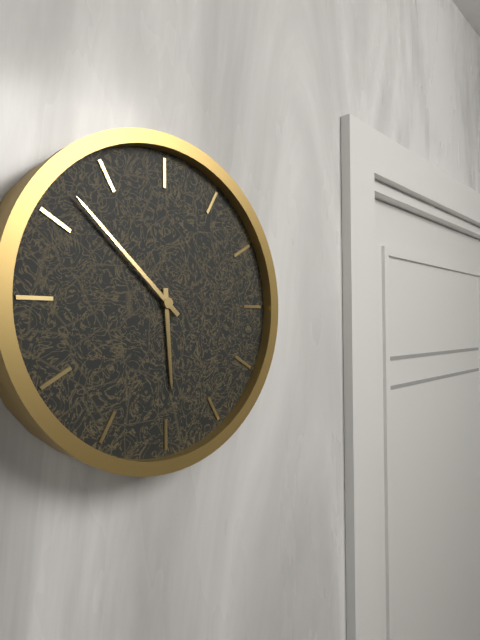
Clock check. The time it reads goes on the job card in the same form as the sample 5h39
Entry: 5h52
